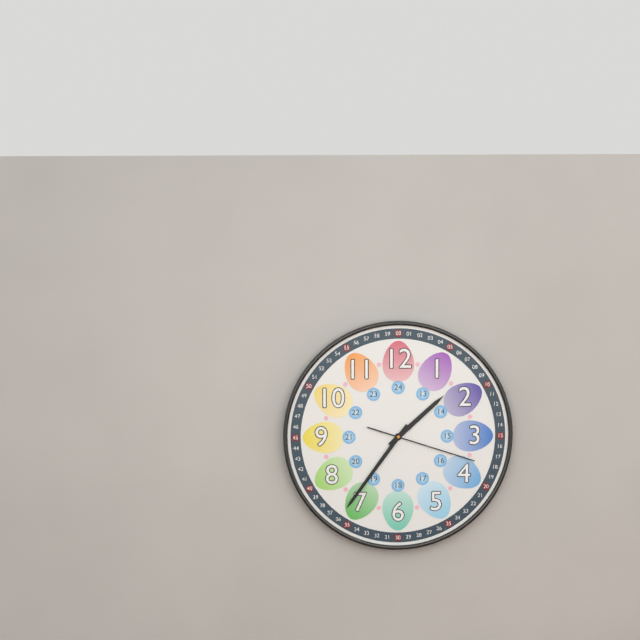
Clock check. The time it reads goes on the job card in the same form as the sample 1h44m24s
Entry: 1h36m18s
